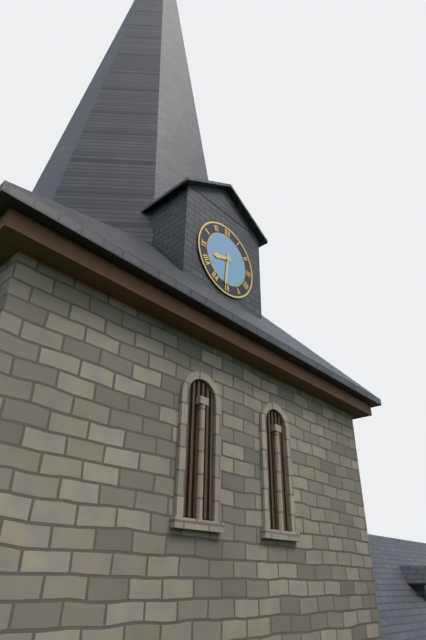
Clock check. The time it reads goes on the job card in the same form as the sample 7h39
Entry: 8h31
